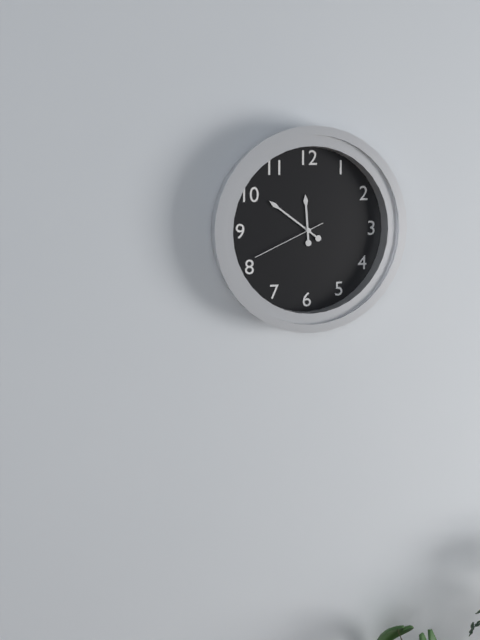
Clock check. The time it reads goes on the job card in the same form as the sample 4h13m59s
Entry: 11h51m41s
